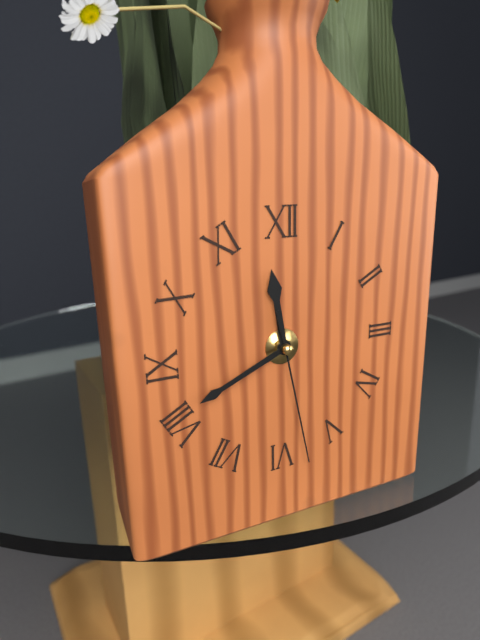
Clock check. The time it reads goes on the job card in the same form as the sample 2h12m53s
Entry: 11h41m28s
